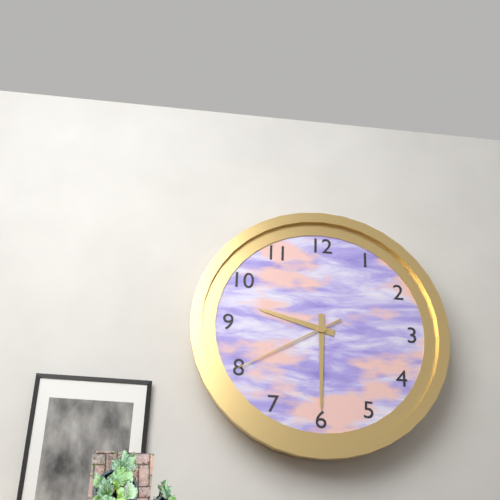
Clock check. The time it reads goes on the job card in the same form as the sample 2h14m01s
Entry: 9h30m40s
